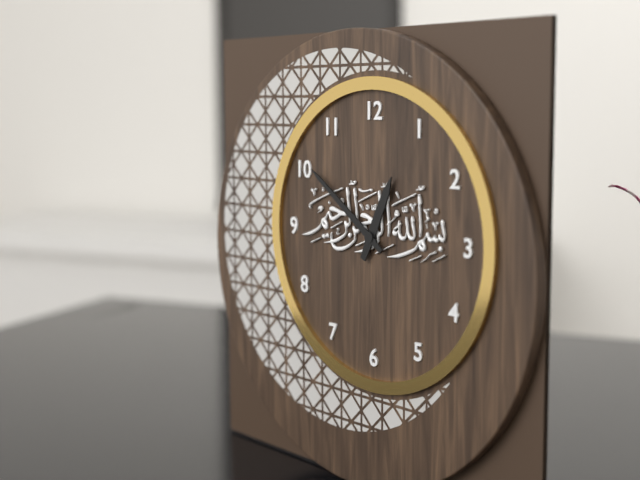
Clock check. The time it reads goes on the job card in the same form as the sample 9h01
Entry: 12h51
